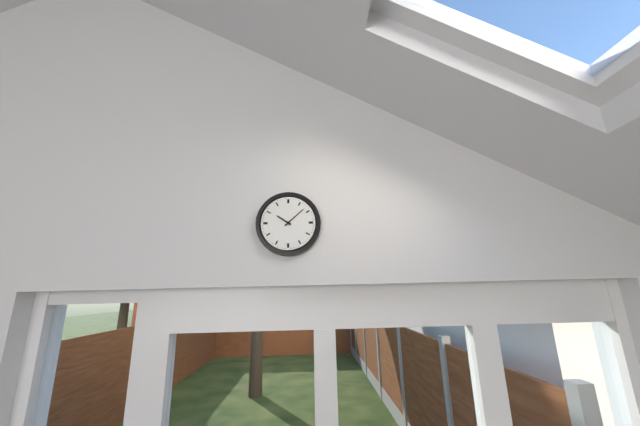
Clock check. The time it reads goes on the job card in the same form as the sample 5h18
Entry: 10h08
